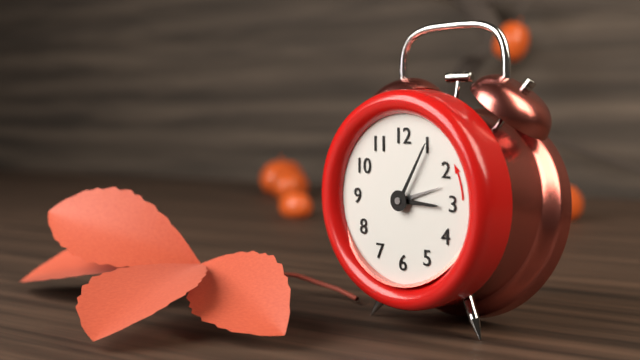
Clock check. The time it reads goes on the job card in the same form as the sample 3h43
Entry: 3h05
